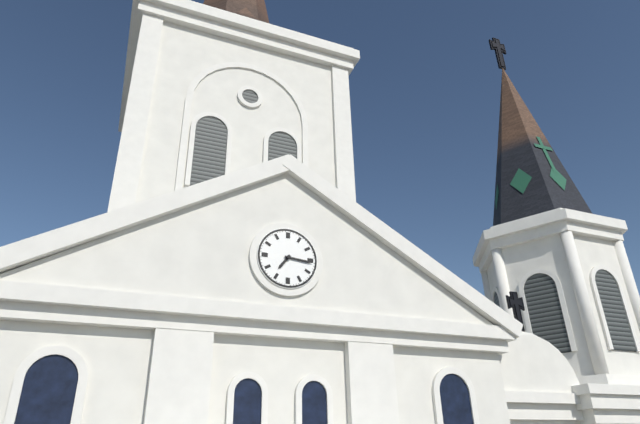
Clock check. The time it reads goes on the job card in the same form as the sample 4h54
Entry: 7h16
